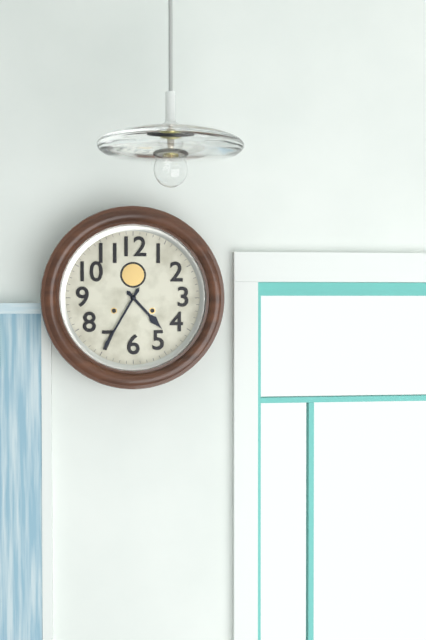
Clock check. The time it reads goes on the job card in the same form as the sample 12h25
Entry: 4h35
